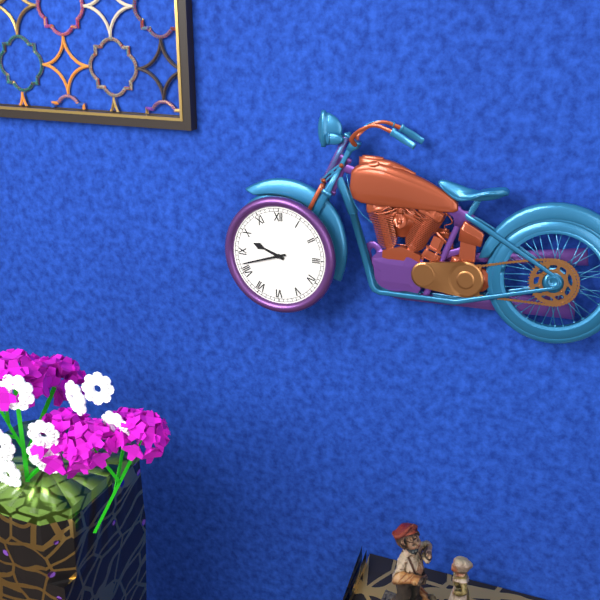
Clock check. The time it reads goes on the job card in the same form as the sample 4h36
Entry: 9h42
